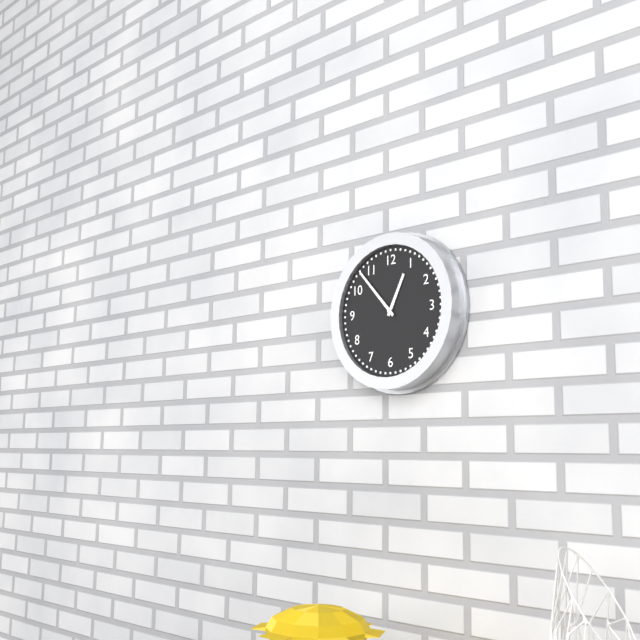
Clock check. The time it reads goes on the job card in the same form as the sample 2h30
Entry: 12h53
